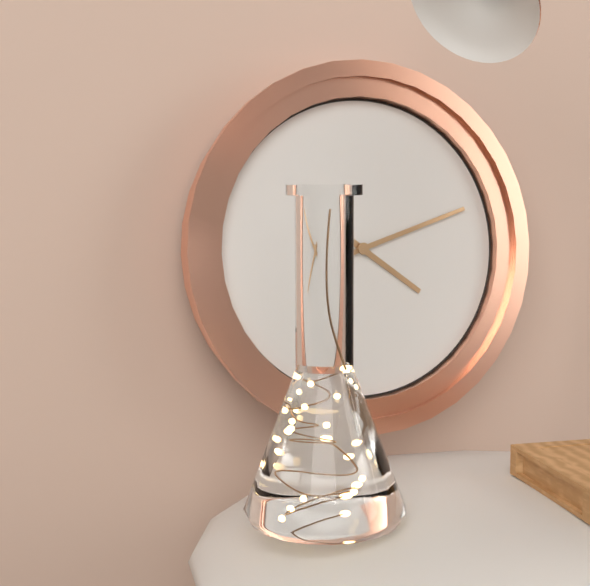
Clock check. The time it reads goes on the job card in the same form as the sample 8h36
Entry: 4h12
